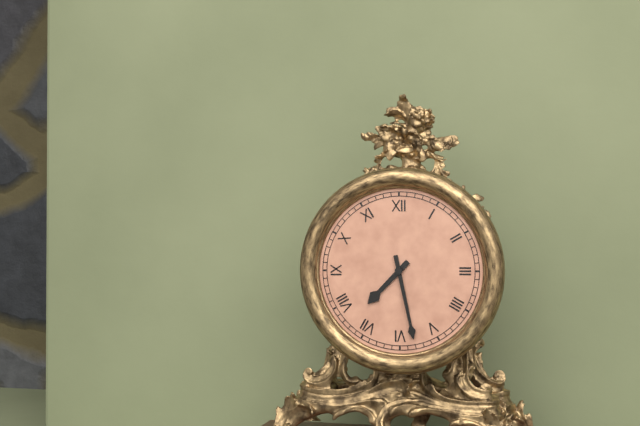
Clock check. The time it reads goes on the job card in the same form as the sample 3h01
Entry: 7h28
